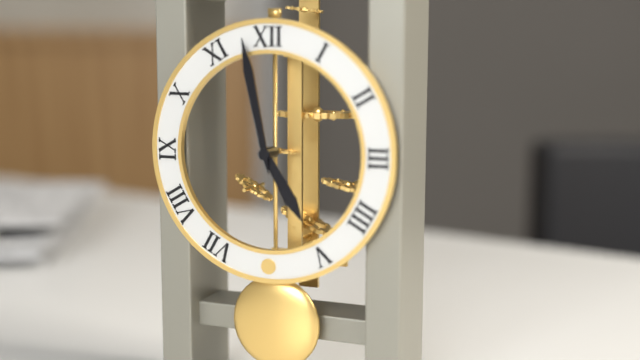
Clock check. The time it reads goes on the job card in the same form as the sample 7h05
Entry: 4h58
